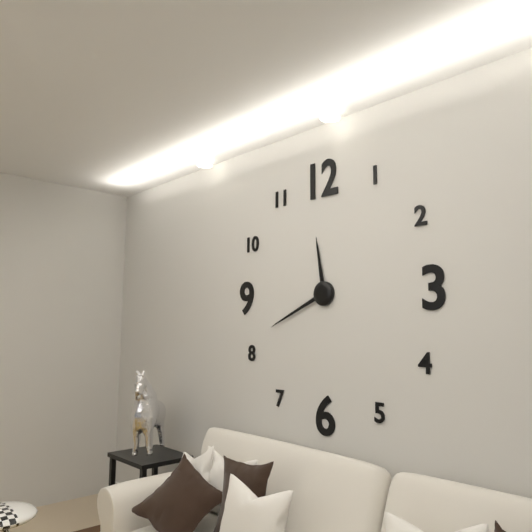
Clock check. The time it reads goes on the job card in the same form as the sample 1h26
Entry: 11h41
